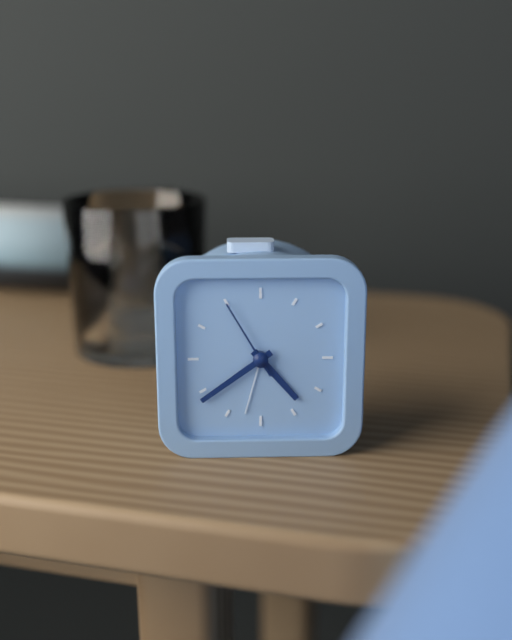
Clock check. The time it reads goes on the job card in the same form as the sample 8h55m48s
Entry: 4h39m55s
